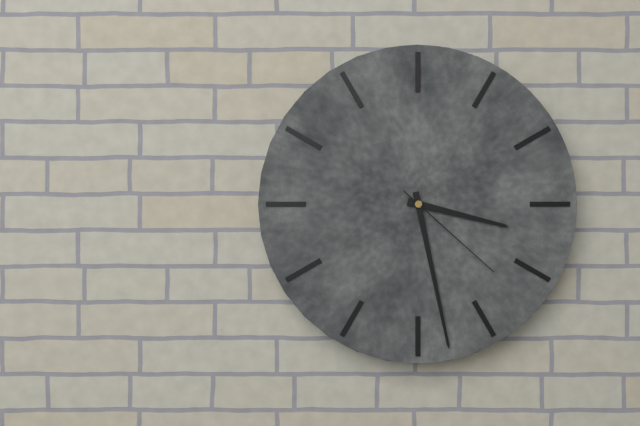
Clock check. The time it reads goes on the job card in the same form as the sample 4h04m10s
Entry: 3h28m22s
